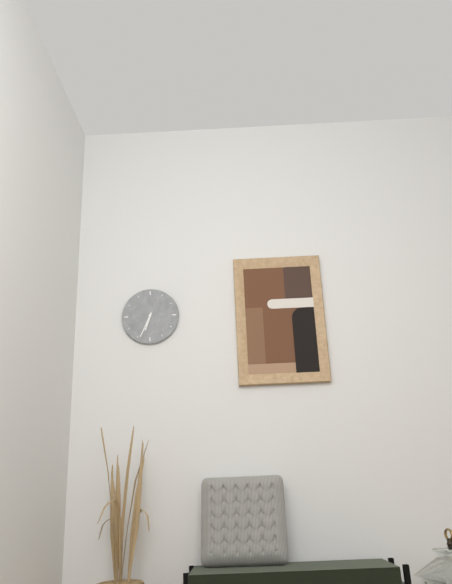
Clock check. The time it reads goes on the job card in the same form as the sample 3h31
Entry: 6h34
